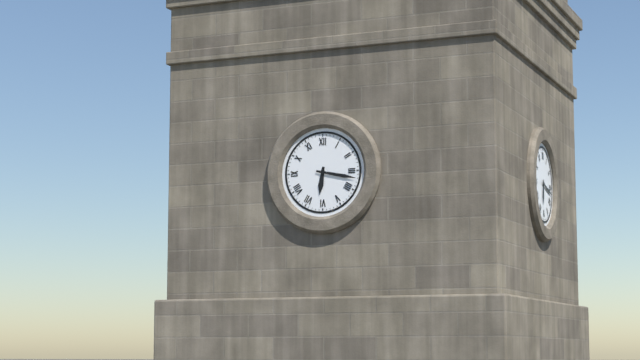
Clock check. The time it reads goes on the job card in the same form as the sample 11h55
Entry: 6h17
